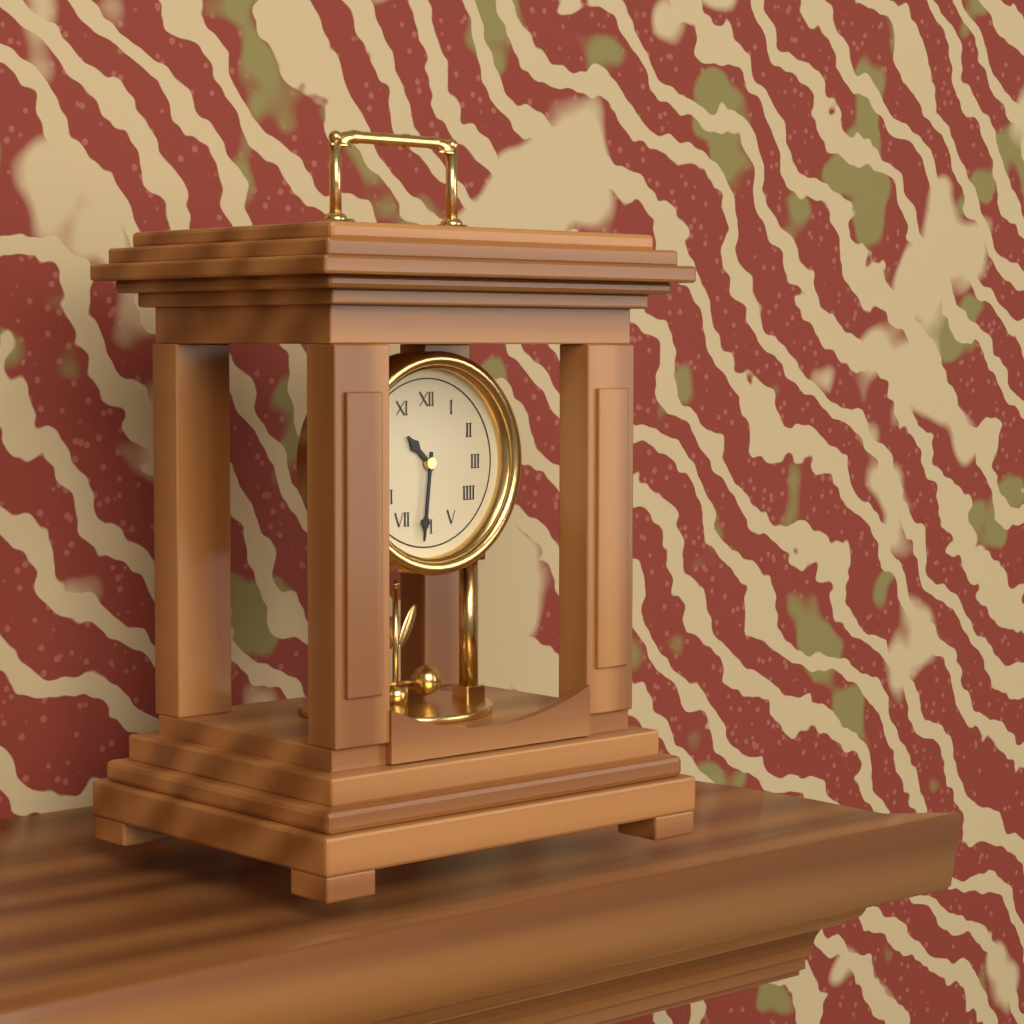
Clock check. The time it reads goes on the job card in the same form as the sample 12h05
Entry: 10h31
